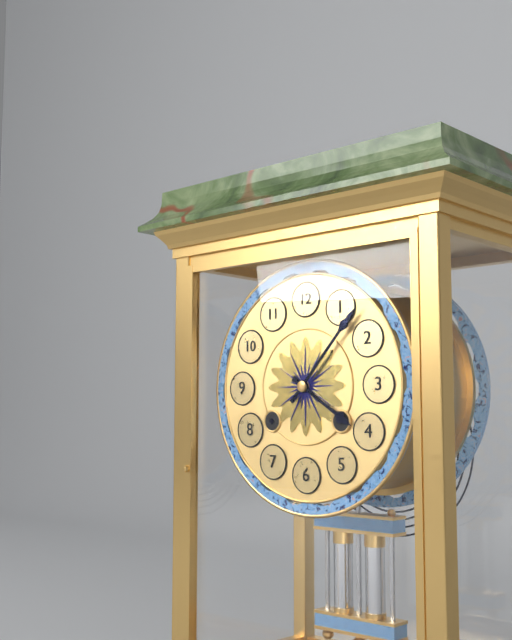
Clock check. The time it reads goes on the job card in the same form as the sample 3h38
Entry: 4h07
